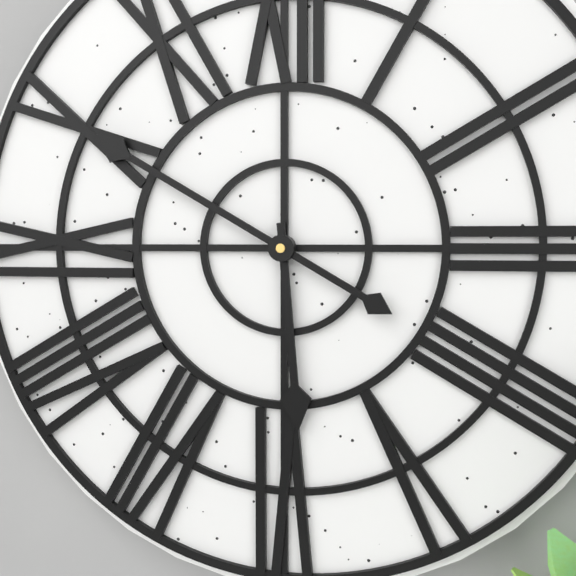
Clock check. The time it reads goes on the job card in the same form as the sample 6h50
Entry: 5h50
